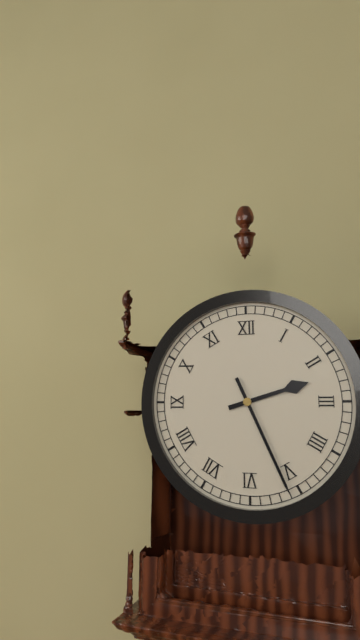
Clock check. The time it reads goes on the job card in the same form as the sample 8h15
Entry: 2h26
